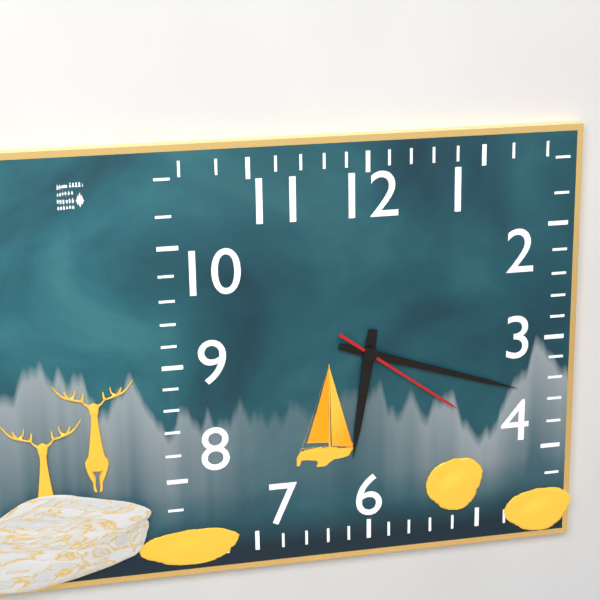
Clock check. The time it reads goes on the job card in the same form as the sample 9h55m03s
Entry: 6h18m21s
